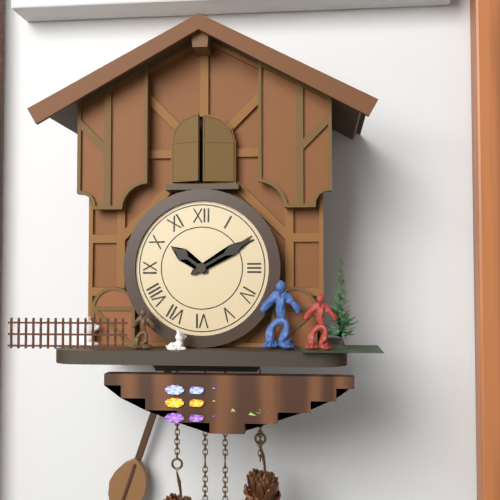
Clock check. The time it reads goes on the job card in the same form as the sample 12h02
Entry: 10h10
